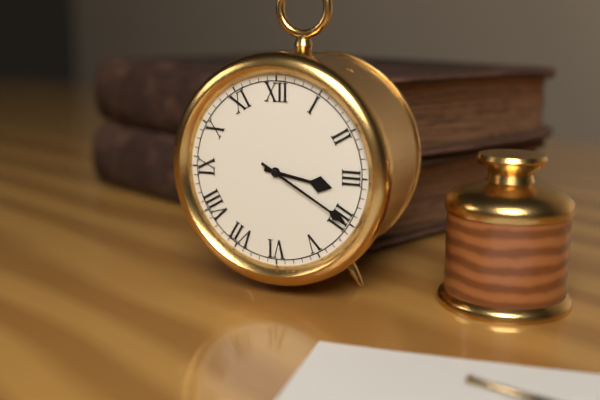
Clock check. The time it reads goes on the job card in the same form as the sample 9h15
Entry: 3h20
